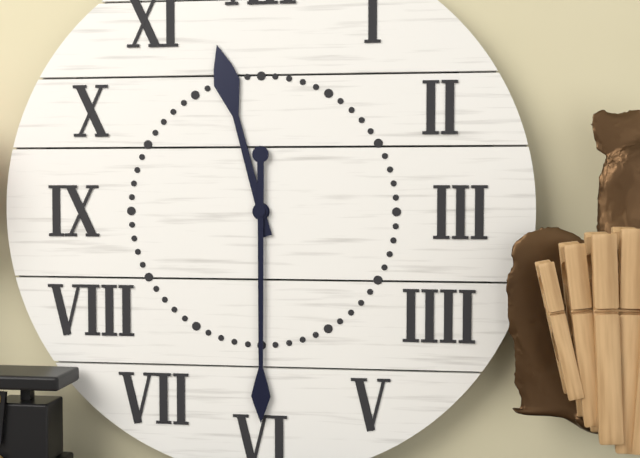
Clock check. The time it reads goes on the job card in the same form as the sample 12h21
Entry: 11h30
